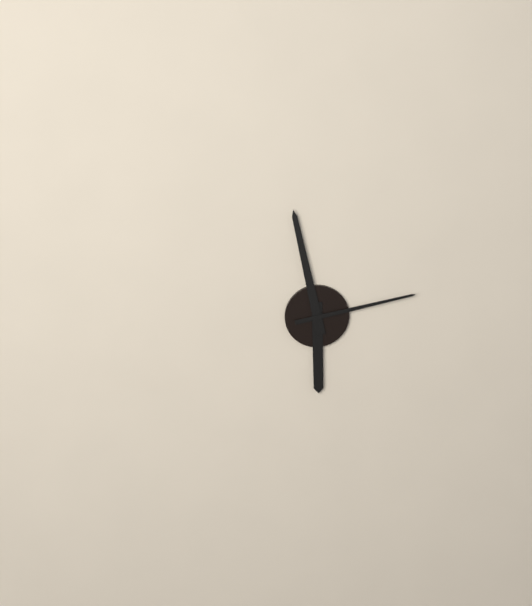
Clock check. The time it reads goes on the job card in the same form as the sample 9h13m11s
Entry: 5h58m13s
